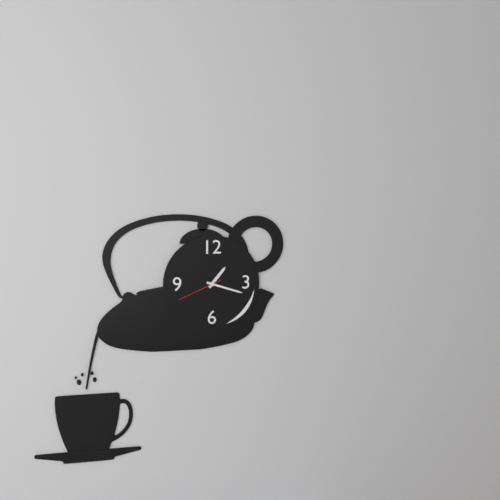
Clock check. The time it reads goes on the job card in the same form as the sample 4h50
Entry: 1h18
